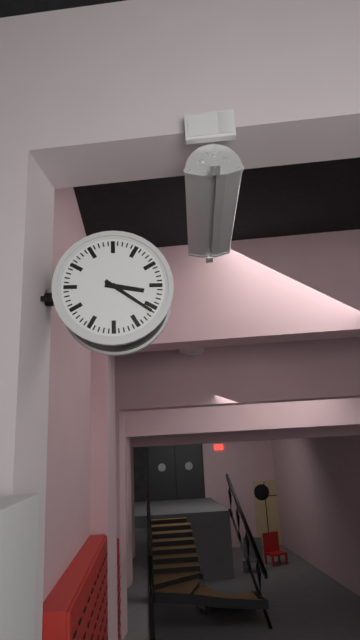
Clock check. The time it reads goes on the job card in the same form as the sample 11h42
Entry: 3h21
